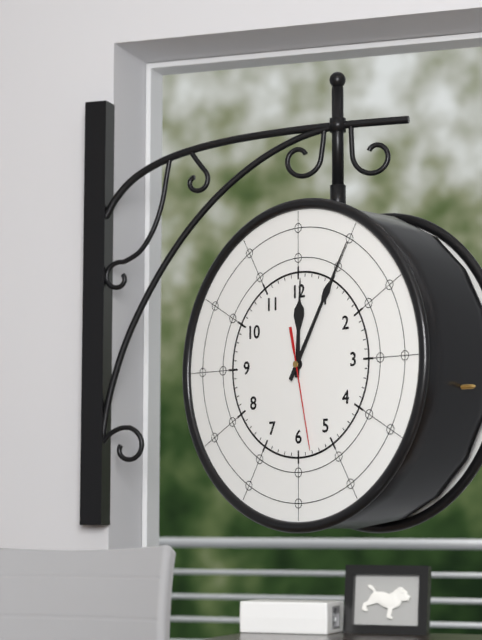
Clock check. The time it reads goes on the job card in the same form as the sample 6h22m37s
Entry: 12h05m28s
